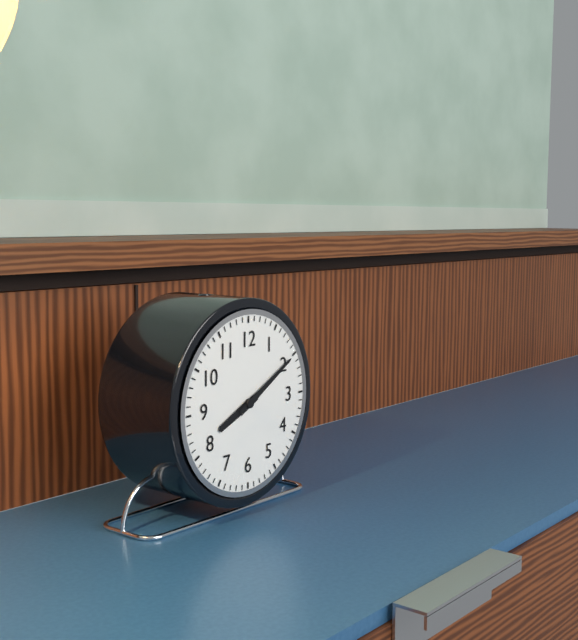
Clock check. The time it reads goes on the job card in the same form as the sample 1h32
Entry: 8h10
